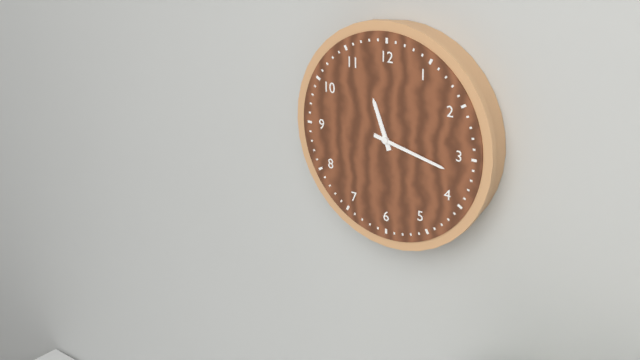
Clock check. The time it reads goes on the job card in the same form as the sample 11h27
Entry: 11h17
